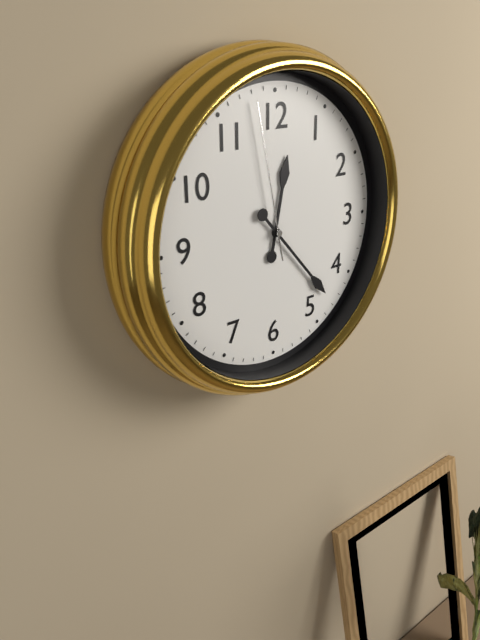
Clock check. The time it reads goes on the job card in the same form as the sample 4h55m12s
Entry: 12h23m58s
